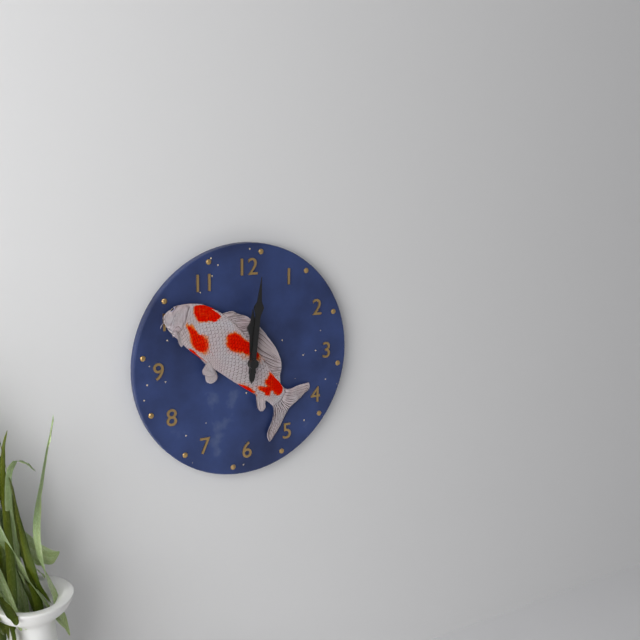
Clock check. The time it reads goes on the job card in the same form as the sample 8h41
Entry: 12h01
